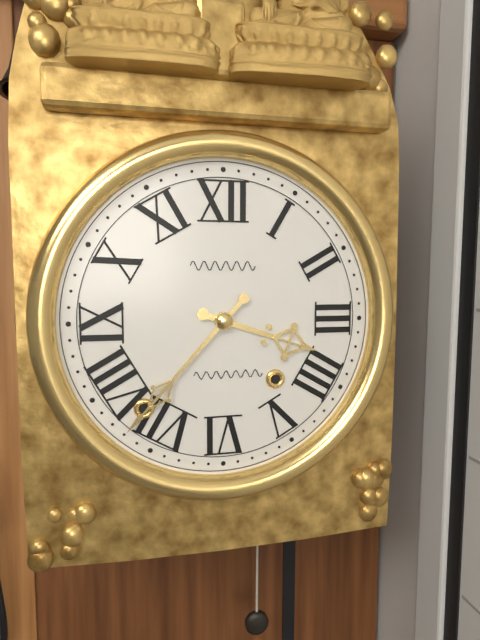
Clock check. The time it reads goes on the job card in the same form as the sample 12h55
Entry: 3h37
